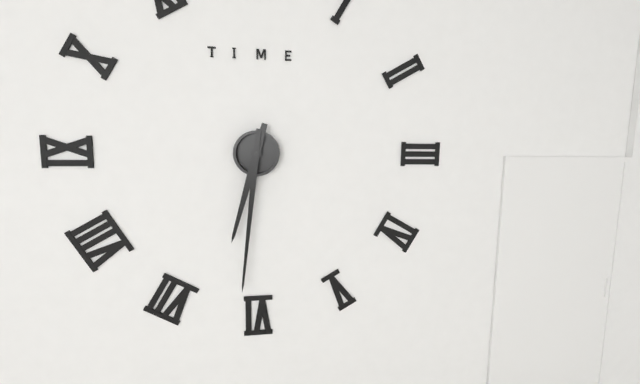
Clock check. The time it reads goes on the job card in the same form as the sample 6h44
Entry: 6h31
